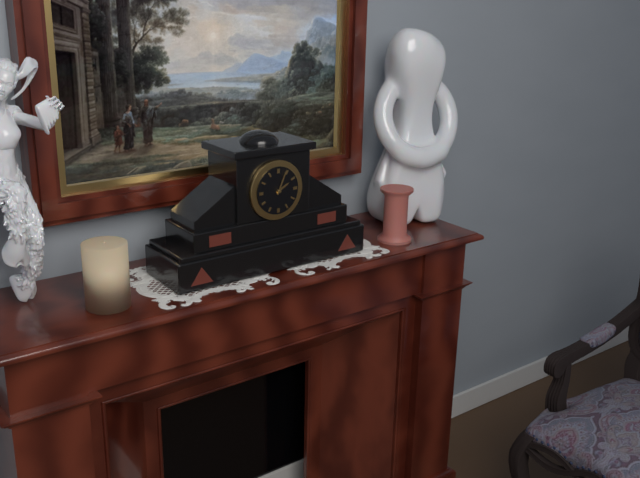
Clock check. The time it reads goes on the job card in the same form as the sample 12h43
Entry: 2h04
